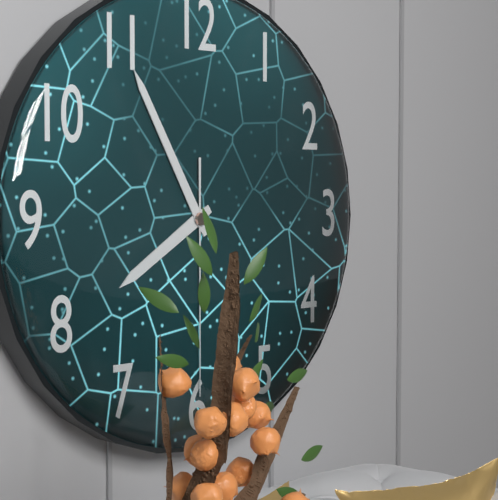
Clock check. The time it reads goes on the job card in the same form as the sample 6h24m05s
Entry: 7h55m30s
